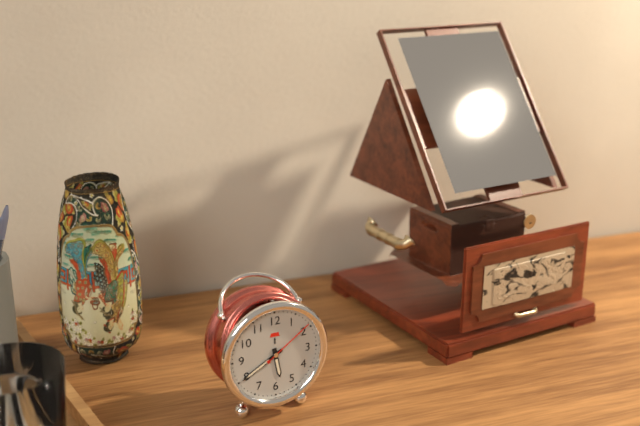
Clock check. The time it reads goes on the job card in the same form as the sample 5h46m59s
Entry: 5h40m09s
